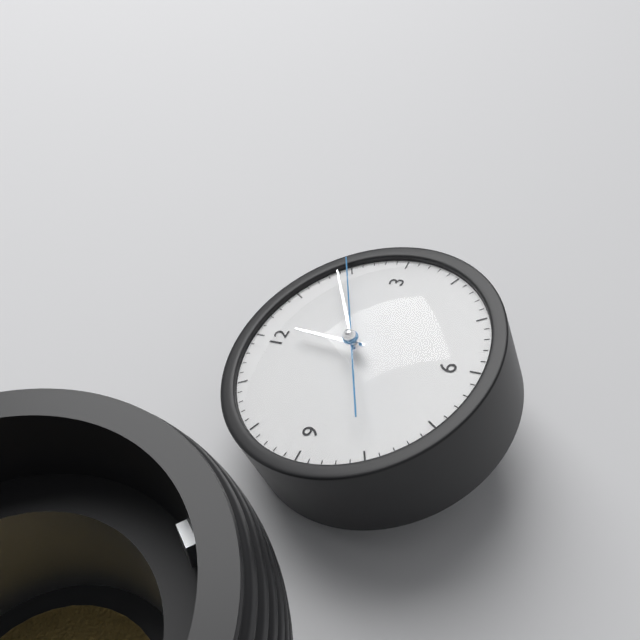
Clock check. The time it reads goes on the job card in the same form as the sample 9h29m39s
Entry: 12h09m10s
